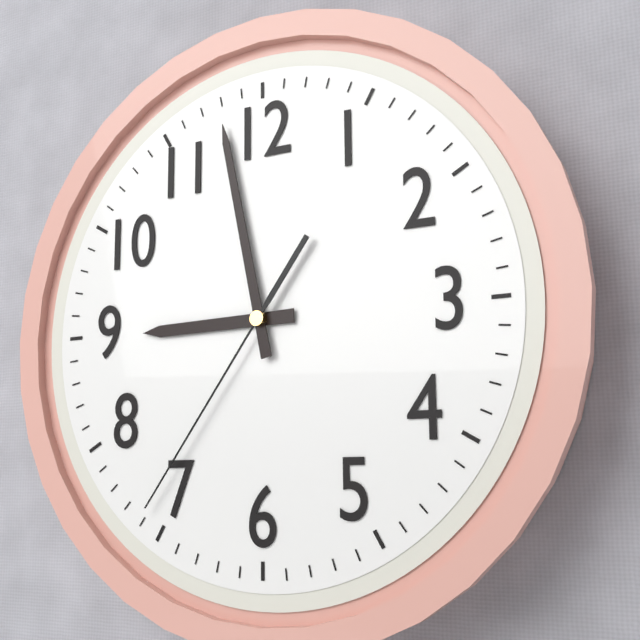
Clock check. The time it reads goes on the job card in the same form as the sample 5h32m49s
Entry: 8h58m36s
